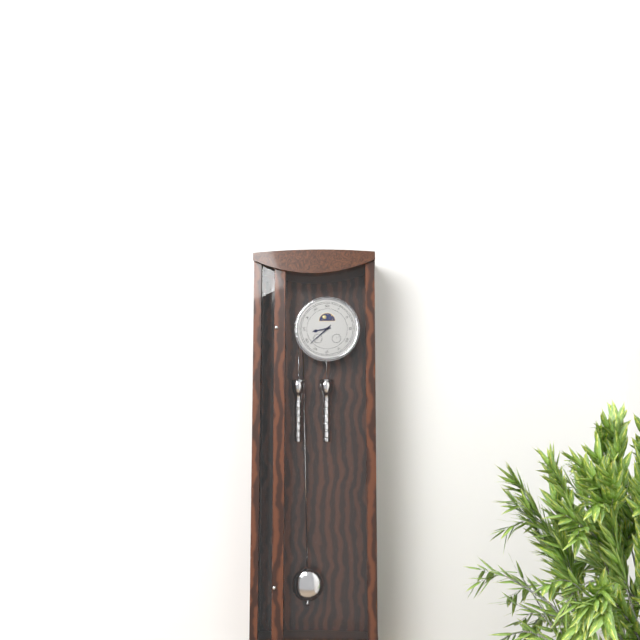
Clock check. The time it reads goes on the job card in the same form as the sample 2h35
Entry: 8h38
